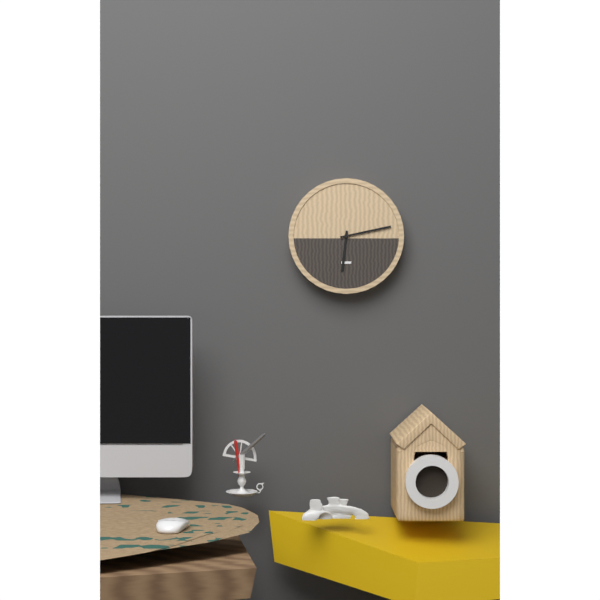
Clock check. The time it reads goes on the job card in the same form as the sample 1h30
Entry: 6h13
